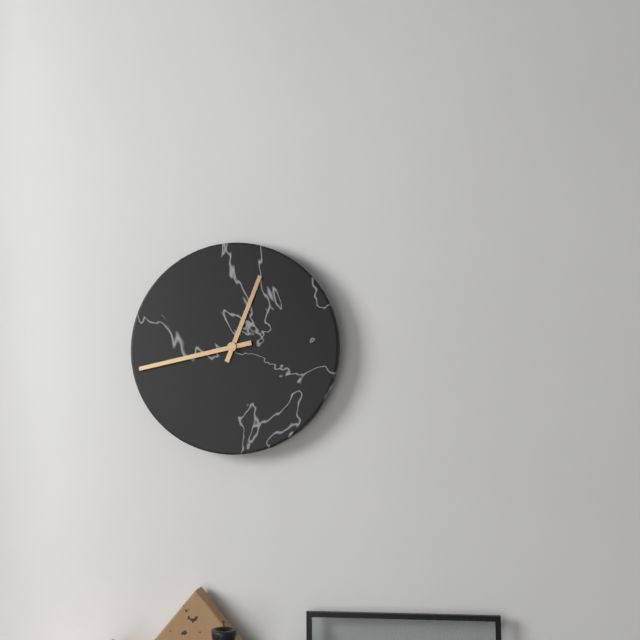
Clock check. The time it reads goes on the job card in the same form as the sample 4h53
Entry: 12h43
